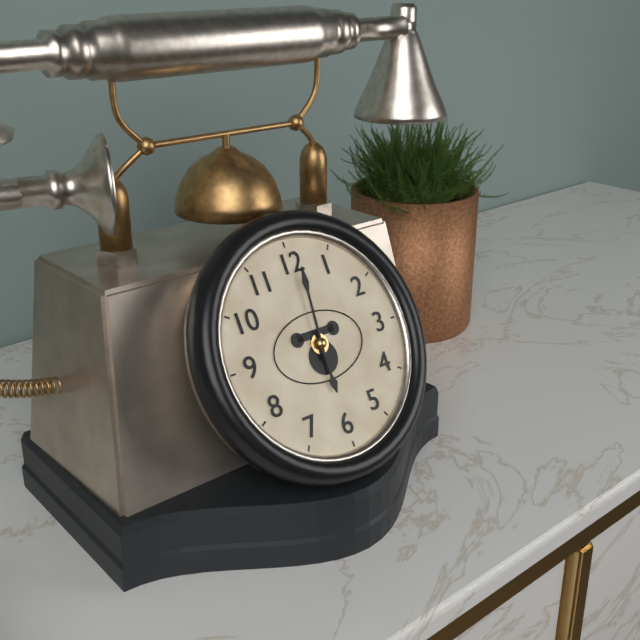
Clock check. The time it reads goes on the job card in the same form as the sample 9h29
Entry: 6h01
